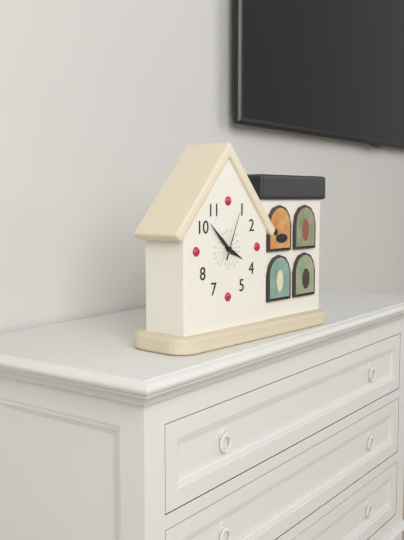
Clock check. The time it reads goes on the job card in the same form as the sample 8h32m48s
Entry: 3h52m04s
